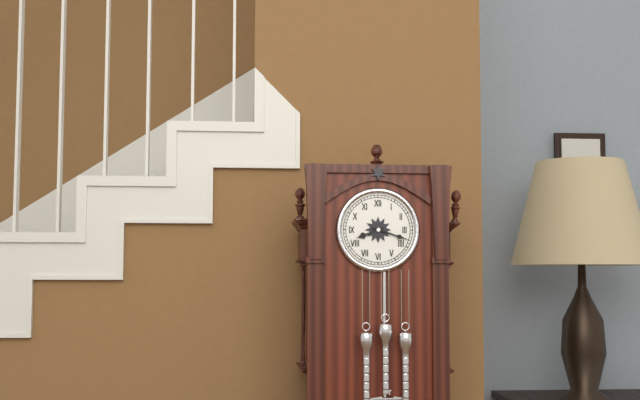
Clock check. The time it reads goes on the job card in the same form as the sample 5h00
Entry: 8h18
